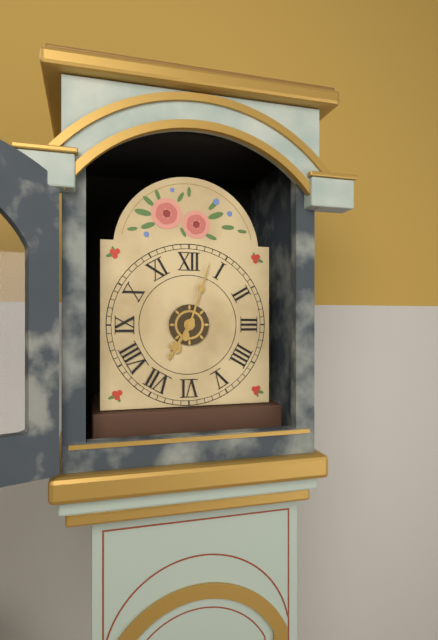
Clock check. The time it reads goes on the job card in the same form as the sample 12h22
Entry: 7h03
